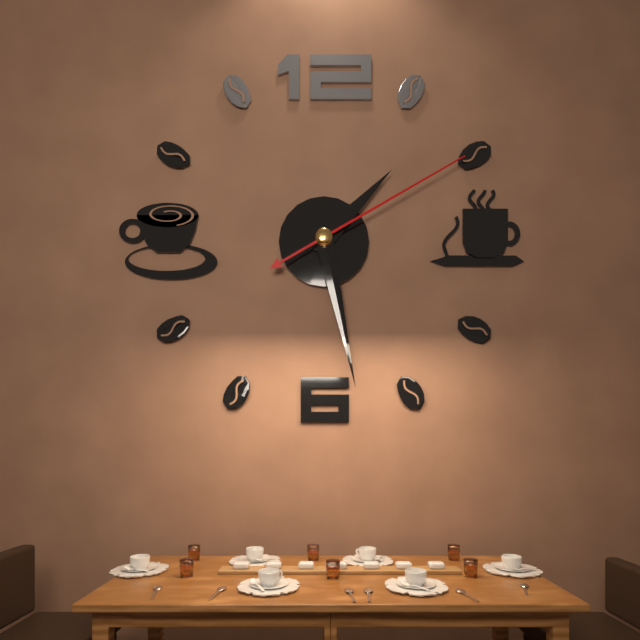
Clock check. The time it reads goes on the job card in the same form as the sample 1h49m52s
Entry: 1h28m10s
